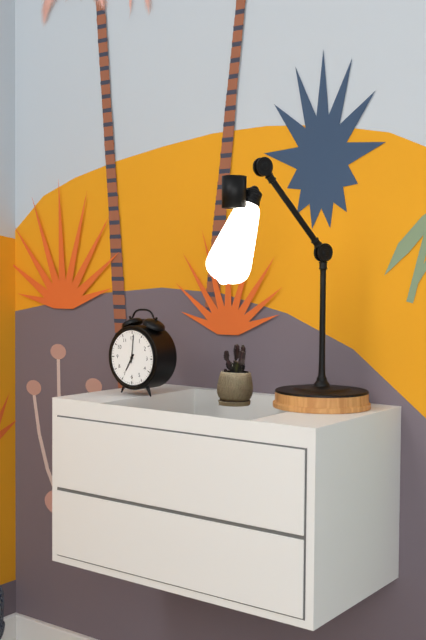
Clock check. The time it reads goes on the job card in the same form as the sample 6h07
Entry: 7h01
